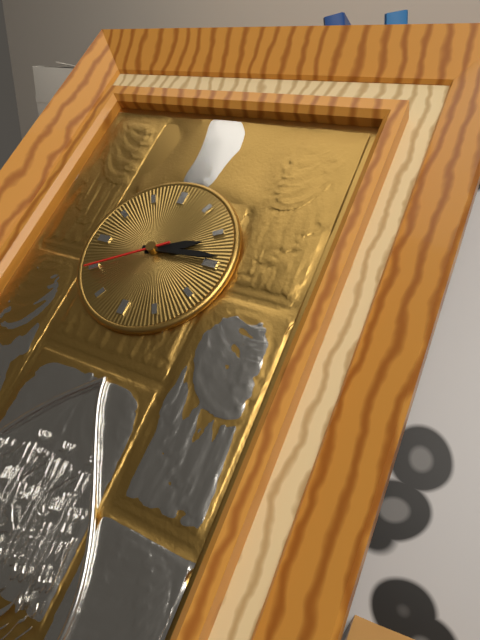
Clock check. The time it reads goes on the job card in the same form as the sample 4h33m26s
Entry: 2h14m40s
